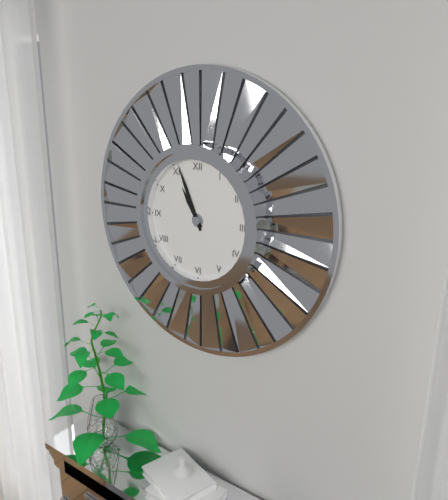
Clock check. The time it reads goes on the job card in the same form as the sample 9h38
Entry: 10h56
